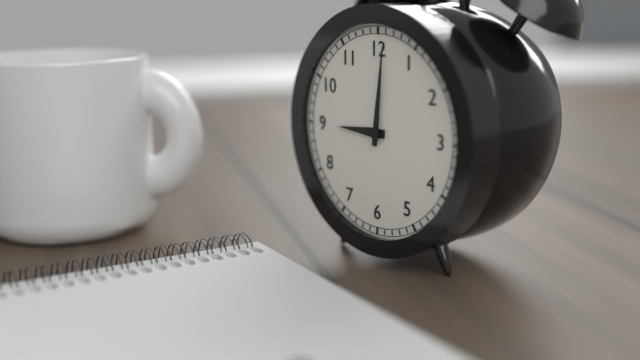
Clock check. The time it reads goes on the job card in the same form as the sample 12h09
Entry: 9h01
